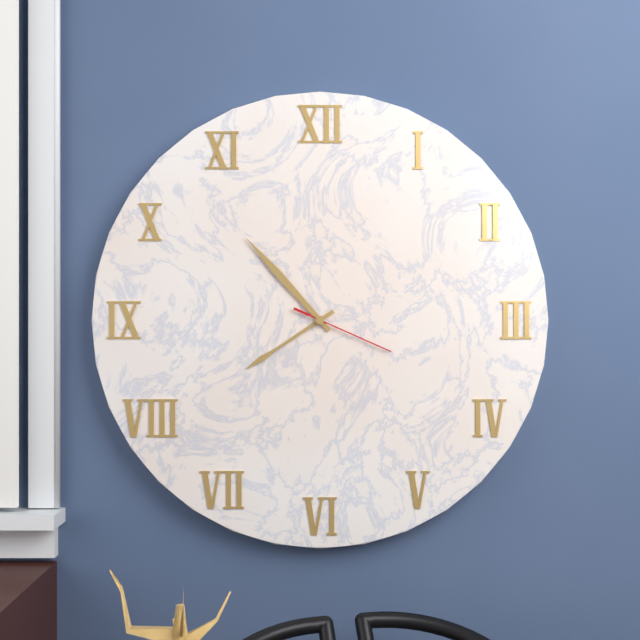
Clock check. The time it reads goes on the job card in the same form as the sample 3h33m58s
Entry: 7h53m19s
